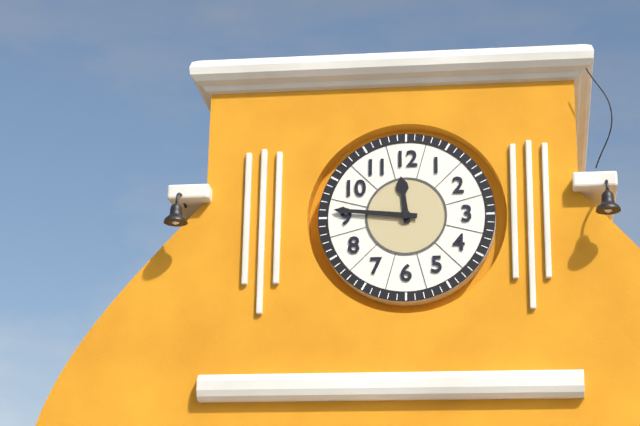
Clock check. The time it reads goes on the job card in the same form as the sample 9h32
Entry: 11h46
